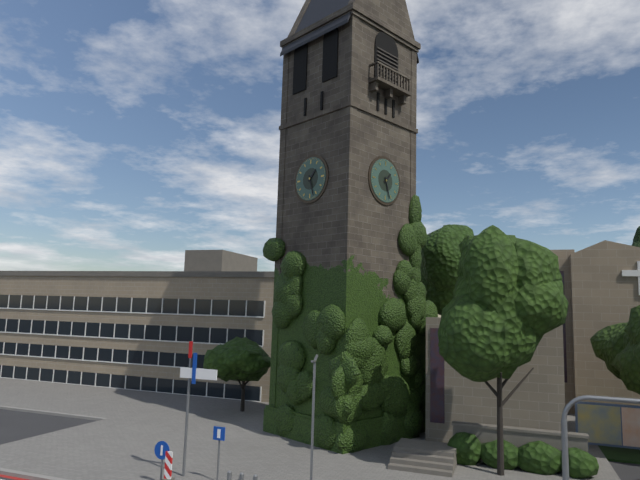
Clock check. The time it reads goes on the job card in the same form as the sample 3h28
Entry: 1h27
